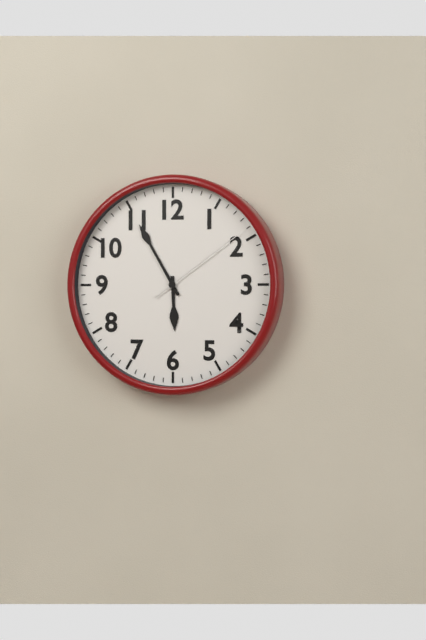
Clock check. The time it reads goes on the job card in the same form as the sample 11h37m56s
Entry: 5h55m09s
